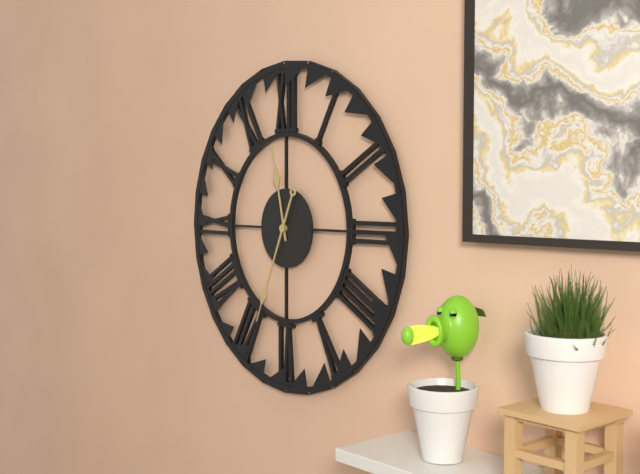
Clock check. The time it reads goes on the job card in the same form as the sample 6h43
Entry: 11h34
